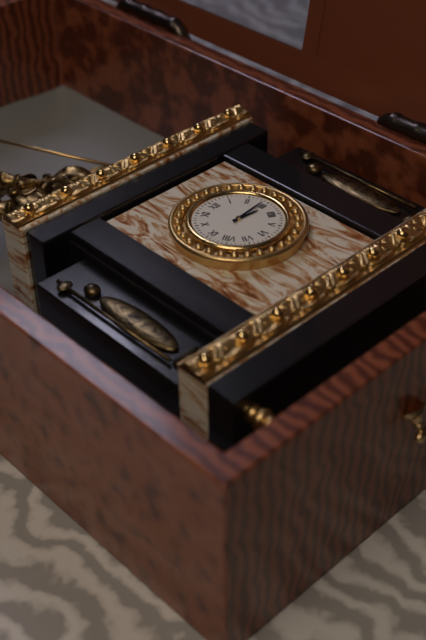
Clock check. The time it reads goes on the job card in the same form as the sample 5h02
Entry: 3h14
